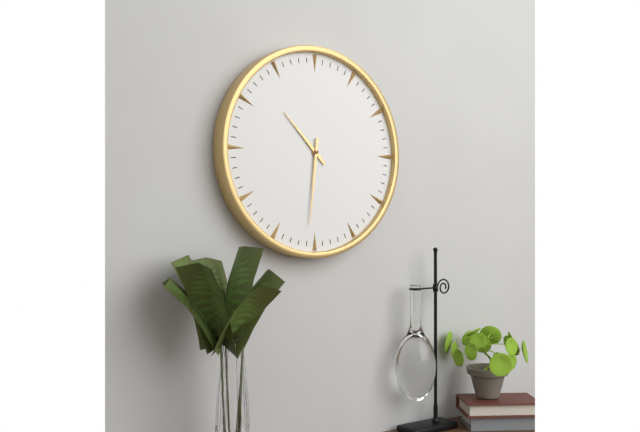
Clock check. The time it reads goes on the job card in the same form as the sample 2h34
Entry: 10h31
